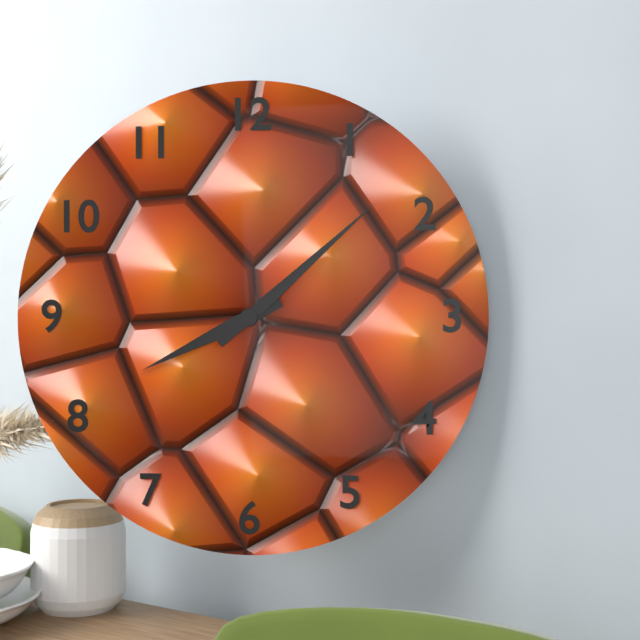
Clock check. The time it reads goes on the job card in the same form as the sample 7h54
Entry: 8h08
